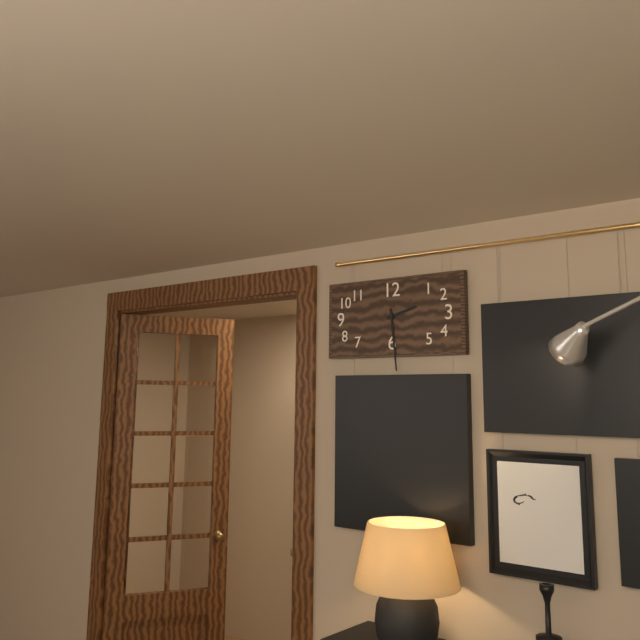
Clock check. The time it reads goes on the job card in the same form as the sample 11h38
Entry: 2h29
